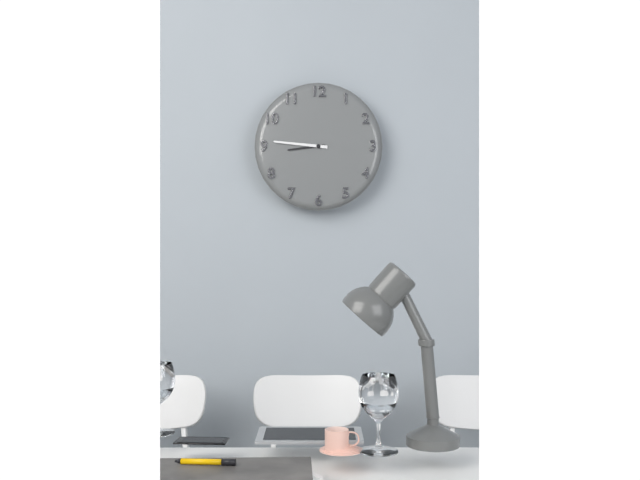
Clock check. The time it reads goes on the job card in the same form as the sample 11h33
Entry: 8h46
